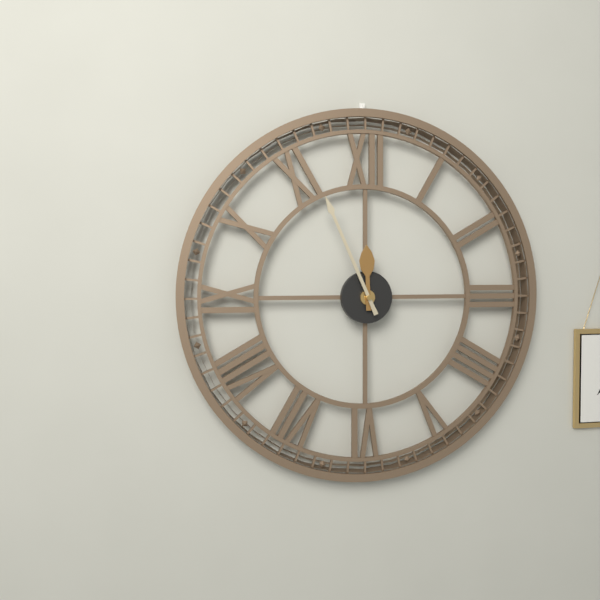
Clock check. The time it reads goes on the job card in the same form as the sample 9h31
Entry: 11h56
